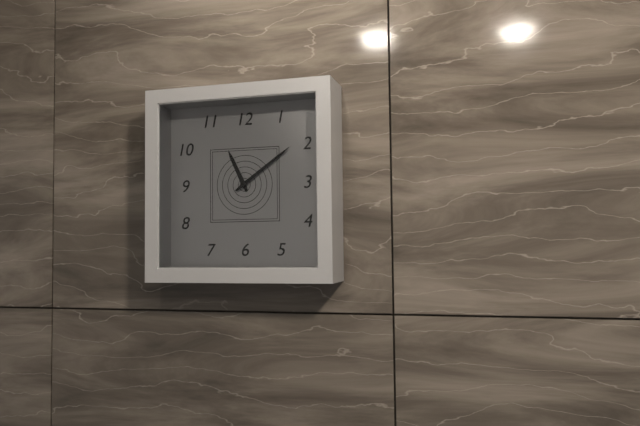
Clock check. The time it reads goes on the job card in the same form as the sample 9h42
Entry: 11h09
